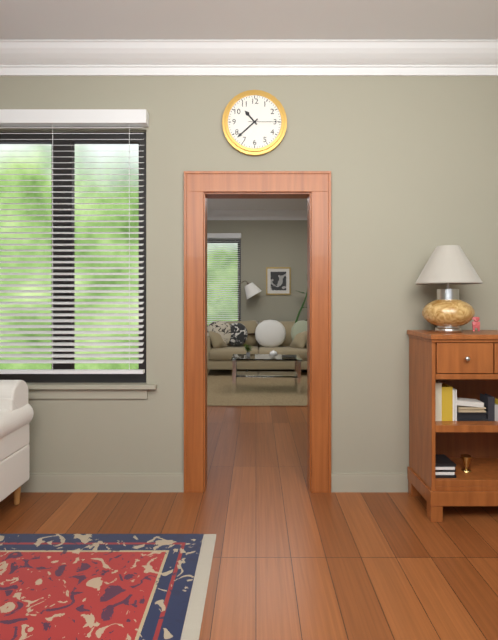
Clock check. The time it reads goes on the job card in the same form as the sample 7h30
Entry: 10h38
